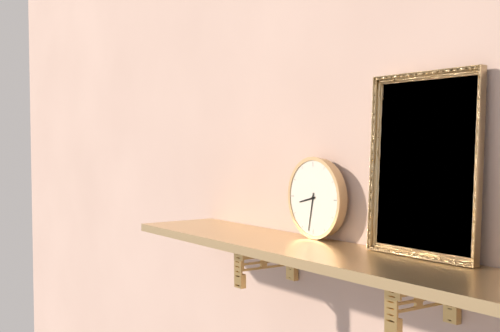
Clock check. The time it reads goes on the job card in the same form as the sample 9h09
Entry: 8h32
